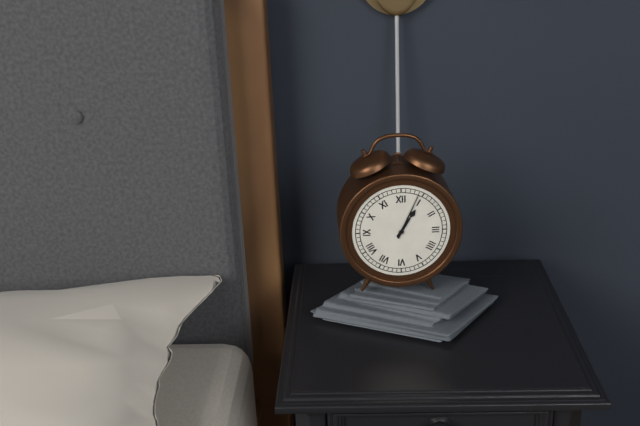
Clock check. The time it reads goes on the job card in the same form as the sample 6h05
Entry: 1h04
